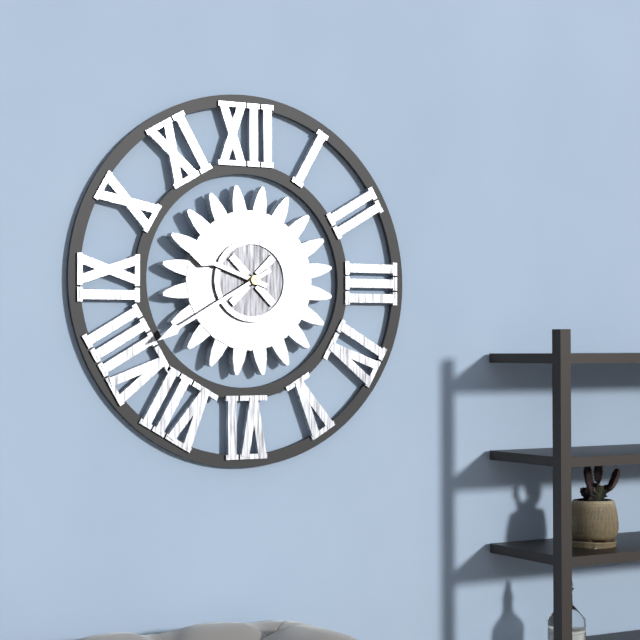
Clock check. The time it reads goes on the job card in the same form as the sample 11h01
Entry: 9h40
